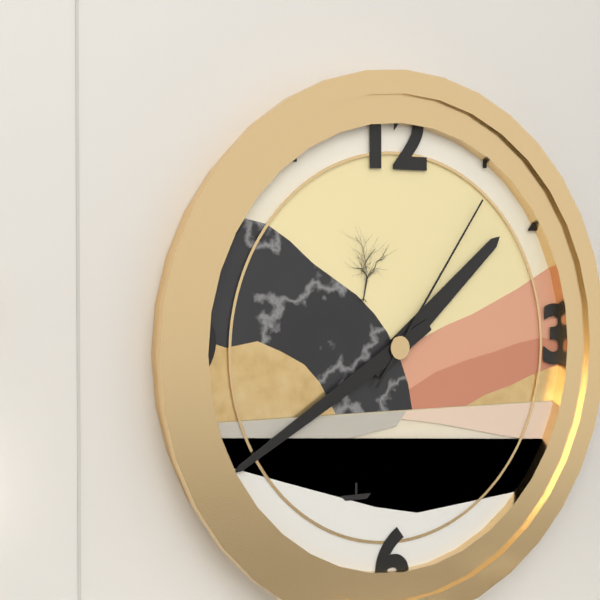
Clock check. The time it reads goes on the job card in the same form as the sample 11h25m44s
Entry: 1h40m06s
